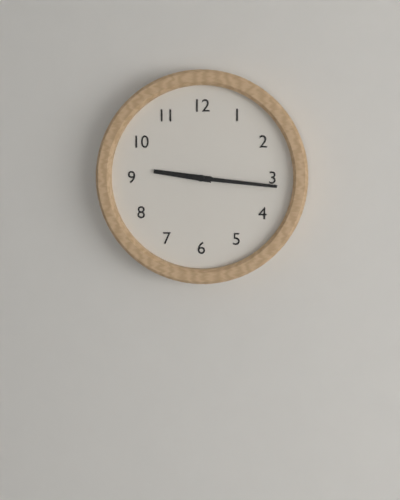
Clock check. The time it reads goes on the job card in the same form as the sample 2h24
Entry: 9h16
